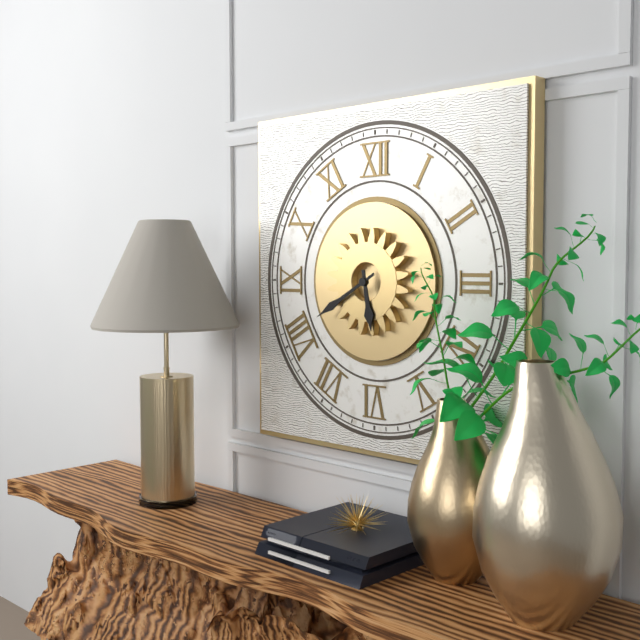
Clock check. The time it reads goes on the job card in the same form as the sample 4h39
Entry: 5h40
